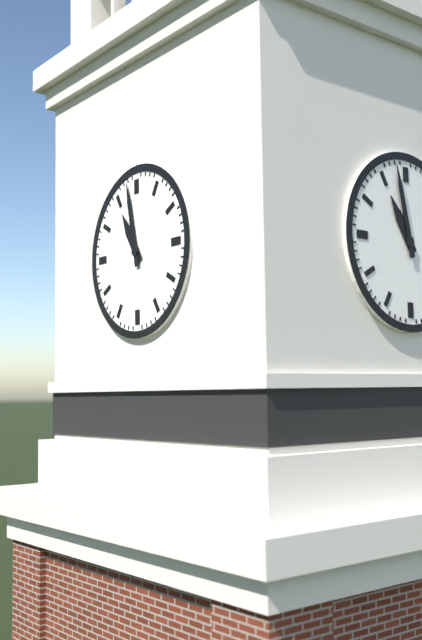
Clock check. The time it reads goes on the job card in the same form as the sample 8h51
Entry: 10h58
